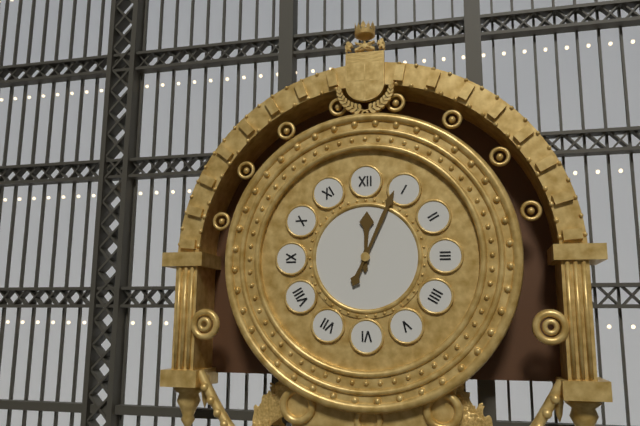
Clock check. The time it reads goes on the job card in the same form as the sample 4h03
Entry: 12h04
